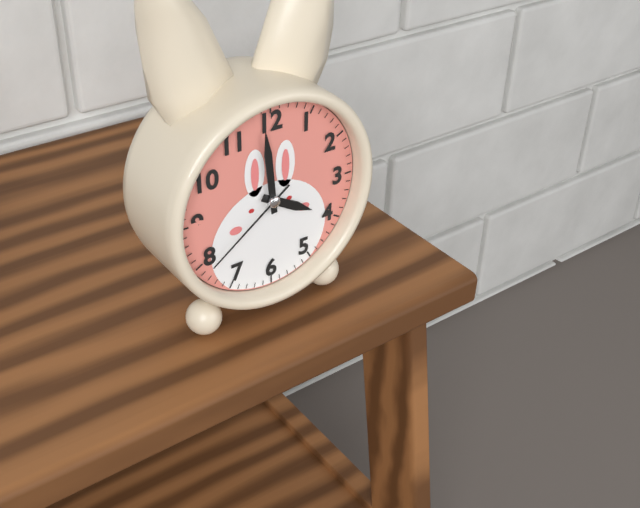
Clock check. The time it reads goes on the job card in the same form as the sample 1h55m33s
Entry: 3h59m39s
